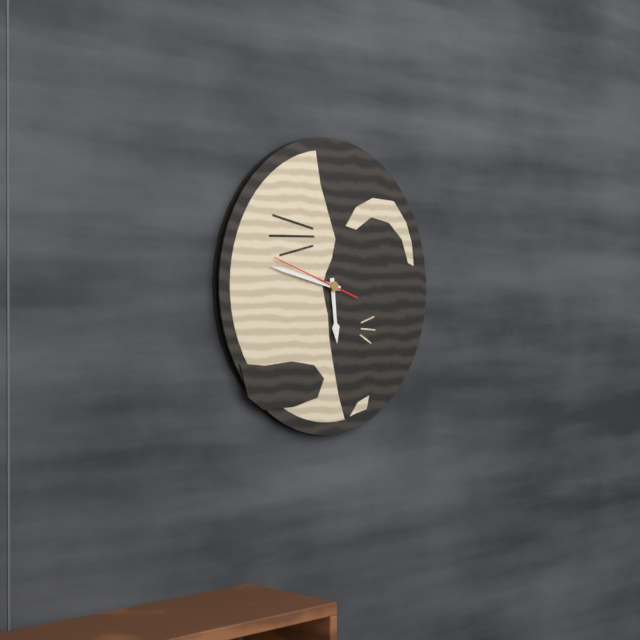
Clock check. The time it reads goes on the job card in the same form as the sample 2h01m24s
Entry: 5h47m48s
